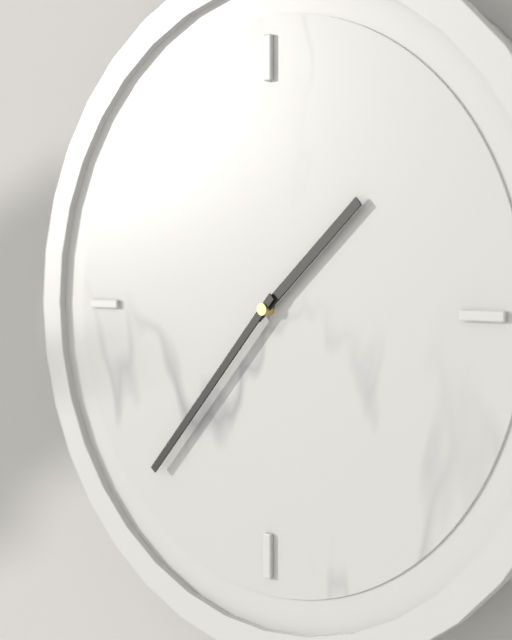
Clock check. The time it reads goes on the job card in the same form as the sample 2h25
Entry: 1h37
